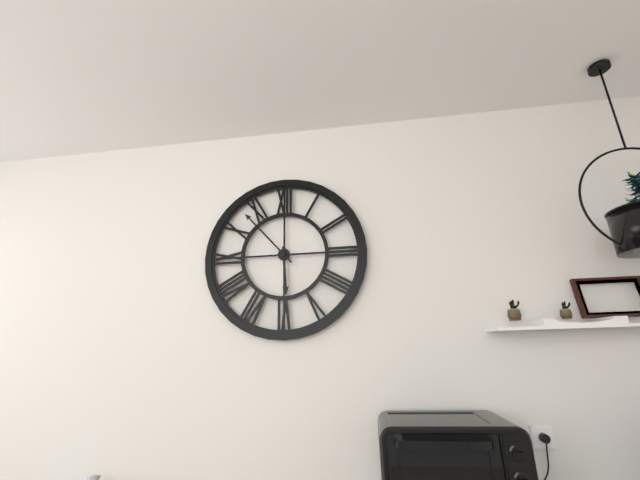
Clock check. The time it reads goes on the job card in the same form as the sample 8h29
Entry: 5h53
